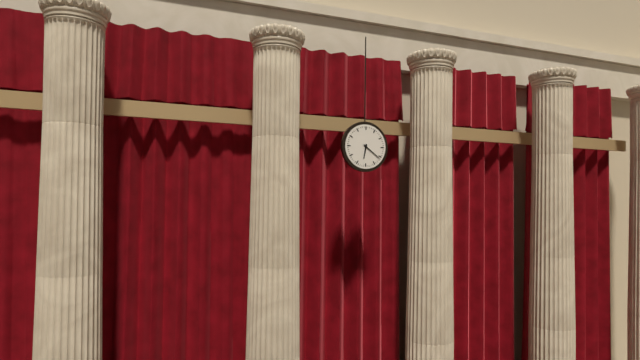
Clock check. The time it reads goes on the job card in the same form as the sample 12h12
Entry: 6h21
